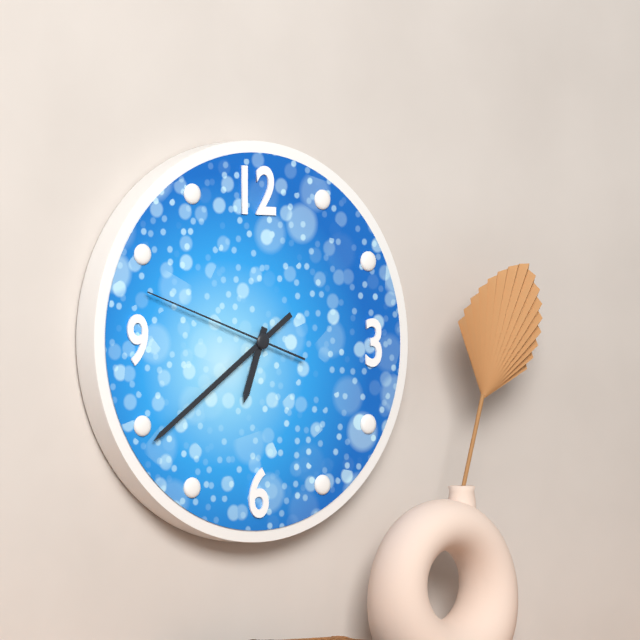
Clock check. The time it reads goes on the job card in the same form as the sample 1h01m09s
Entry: 6h39m48s
